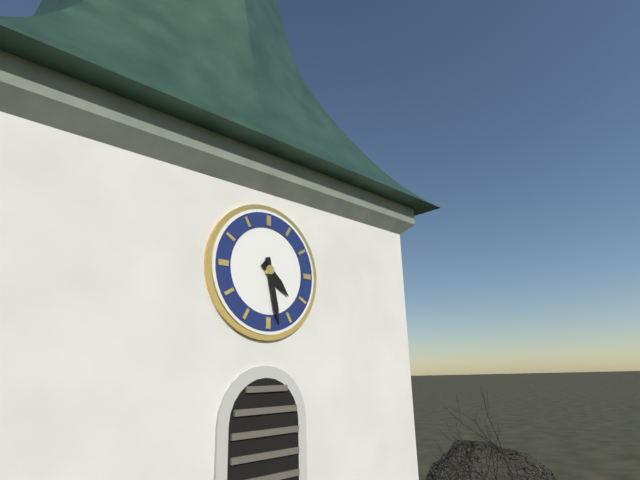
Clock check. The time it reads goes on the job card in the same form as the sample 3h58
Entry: 4h28
